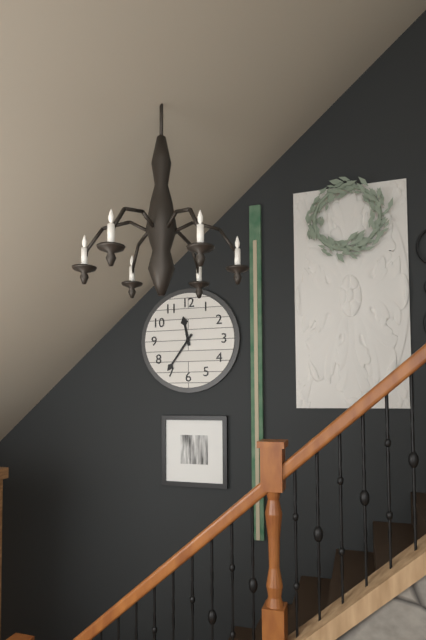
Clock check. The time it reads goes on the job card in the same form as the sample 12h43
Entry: 11h36
